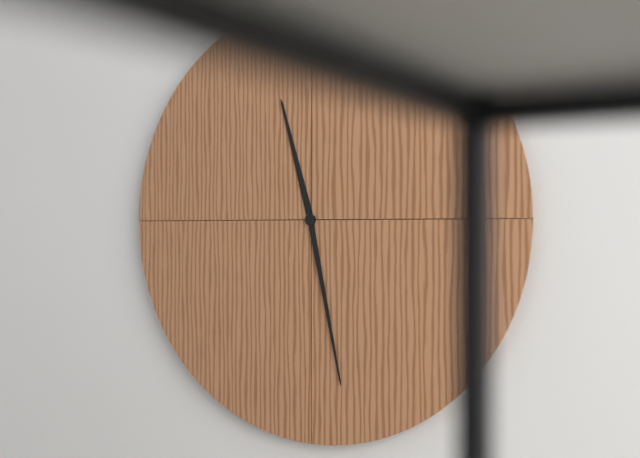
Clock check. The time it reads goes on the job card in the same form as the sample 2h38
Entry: 11h28
